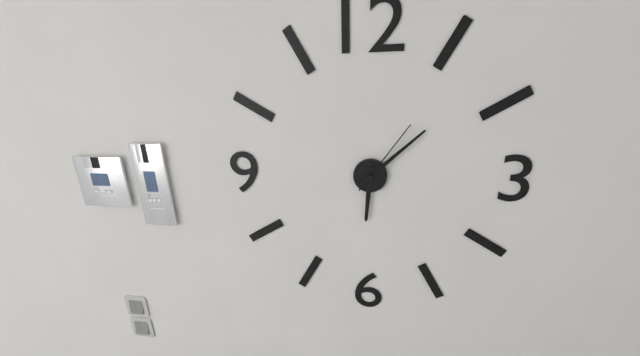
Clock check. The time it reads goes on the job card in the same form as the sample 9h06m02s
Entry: 6h08m06s
